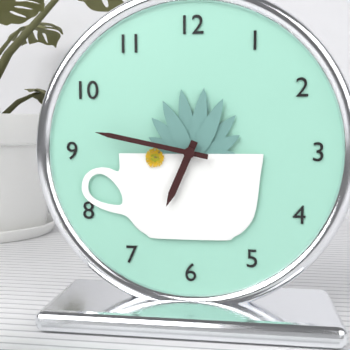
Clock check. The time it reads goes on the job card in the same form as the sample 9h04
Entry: 6h47
